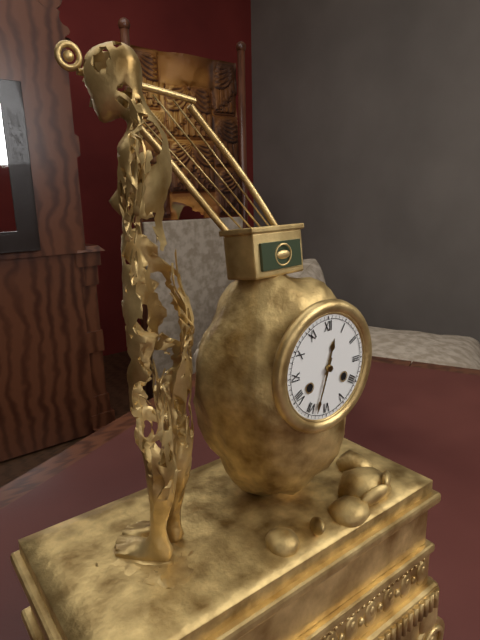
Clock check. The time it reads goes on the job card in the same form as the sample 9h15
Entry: 12h33
